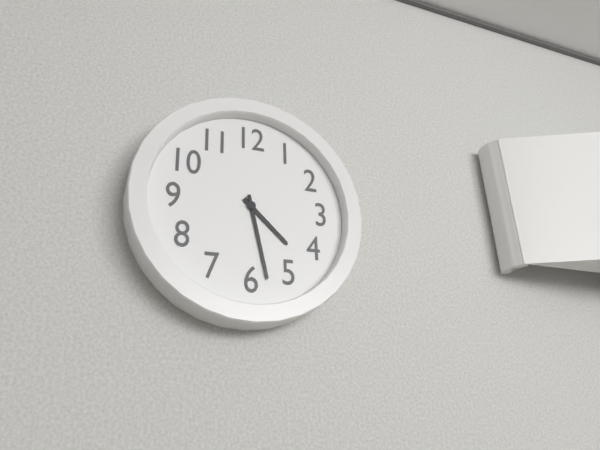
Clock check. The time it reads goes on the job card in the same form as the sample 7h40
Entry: 4h28
